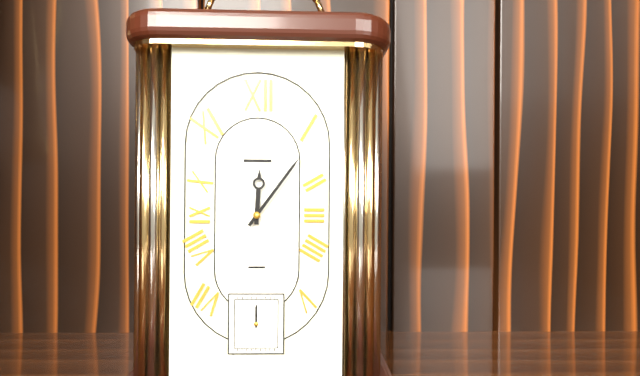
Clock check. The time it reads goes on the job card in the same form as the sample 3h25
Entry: 12h06
